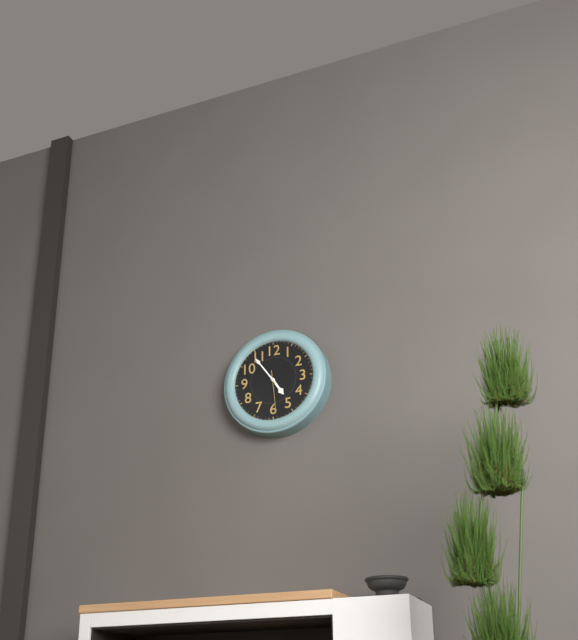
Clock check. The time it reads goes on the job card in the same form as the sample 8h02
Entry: 4h54
